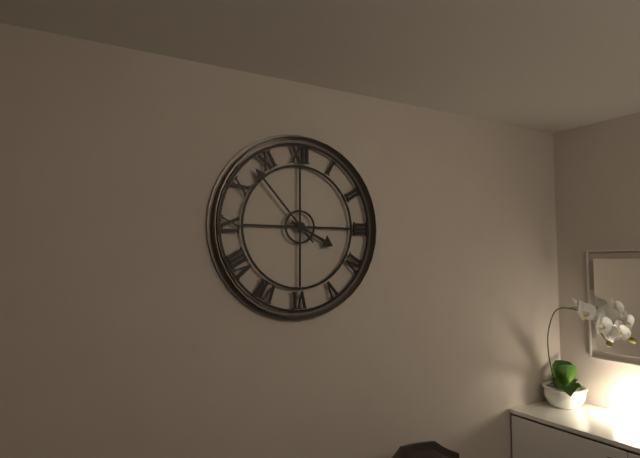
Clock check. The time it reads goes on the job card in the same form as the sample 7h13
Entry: 3h53
